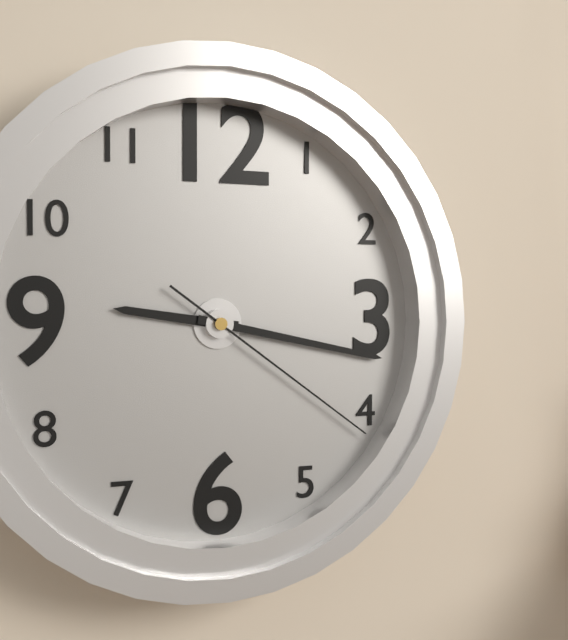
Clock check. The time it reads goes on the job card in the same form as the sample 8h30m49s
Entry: 9h17m21s
